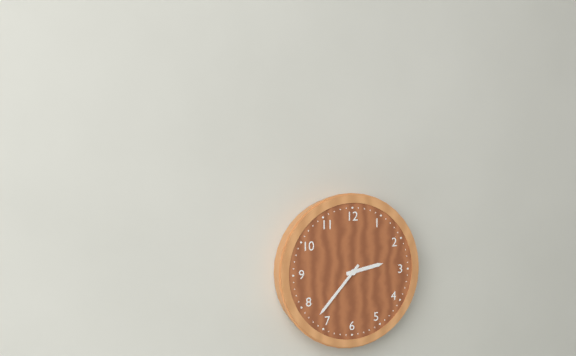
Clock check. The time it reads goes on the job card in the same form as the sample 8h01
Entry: 2h37
